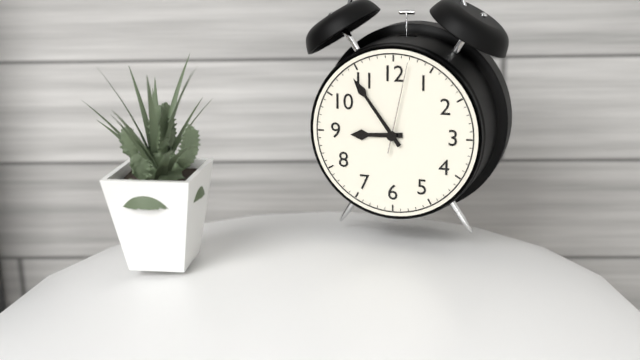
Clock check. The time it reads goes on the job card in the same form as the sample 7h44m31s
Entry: 8h54m02s
